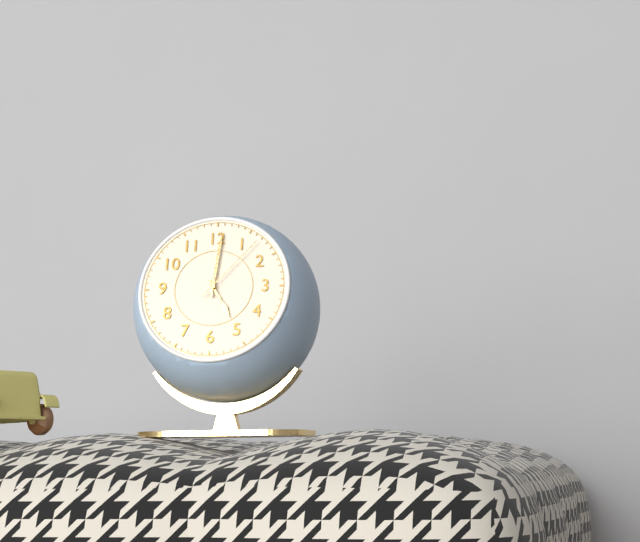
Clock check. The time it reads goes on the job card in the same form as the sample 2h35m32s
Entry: 5h01m07s
